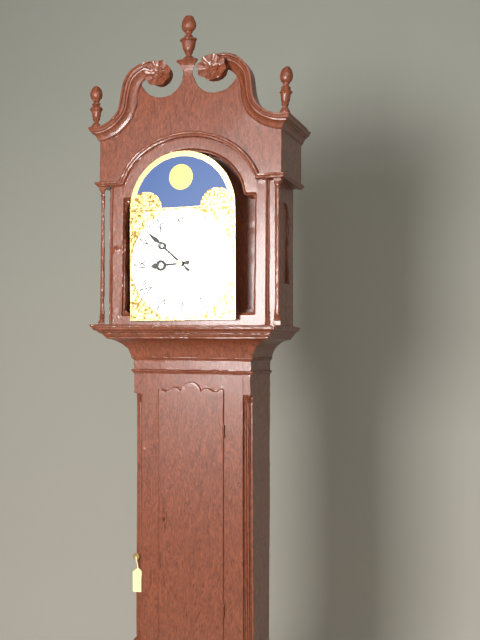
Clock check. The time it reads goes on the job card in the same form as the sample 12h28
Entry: 8h52
